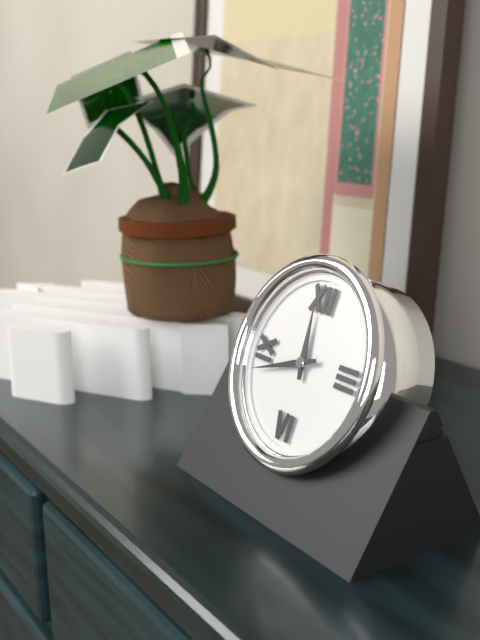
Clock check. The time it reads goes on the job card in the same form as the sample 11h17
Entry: 11h42
